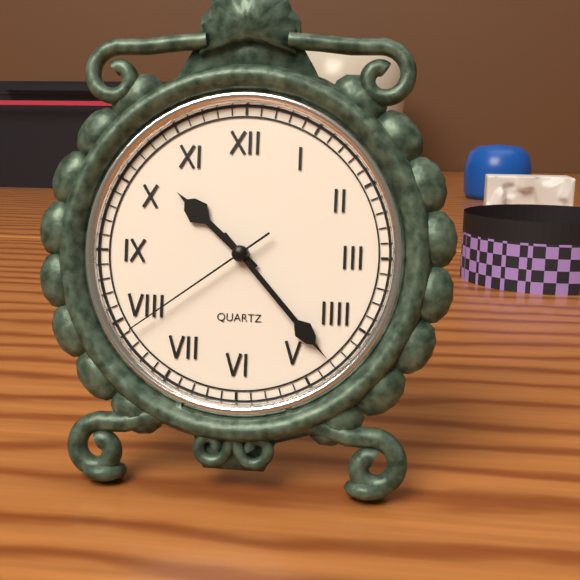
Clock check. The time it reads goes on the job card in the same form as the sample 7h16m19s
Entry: 10h23m39s
